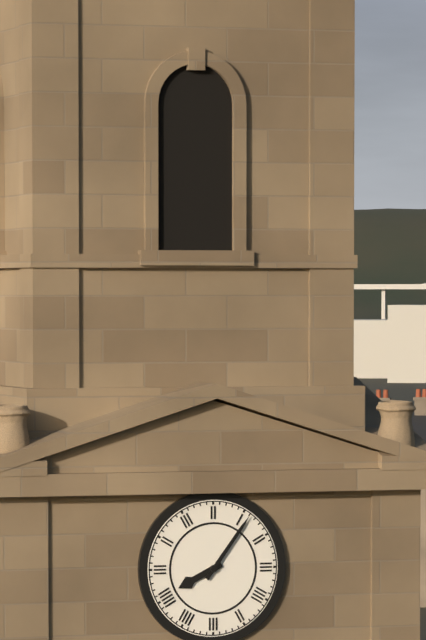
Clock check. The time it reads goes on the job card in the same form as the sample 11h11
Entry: 8h06
